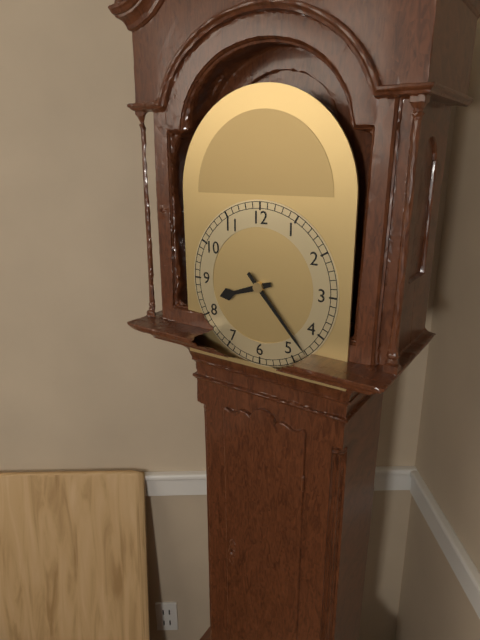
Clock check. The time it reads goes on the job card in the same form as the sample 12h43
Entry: 8h23
